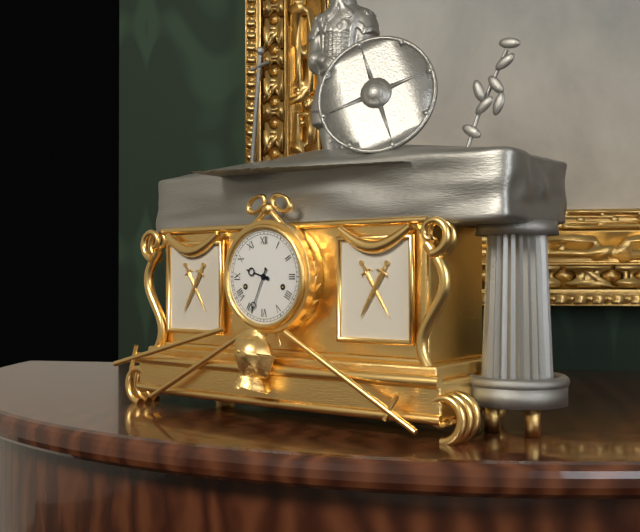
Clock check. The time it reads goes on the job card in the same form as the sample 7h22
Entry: 9h34
